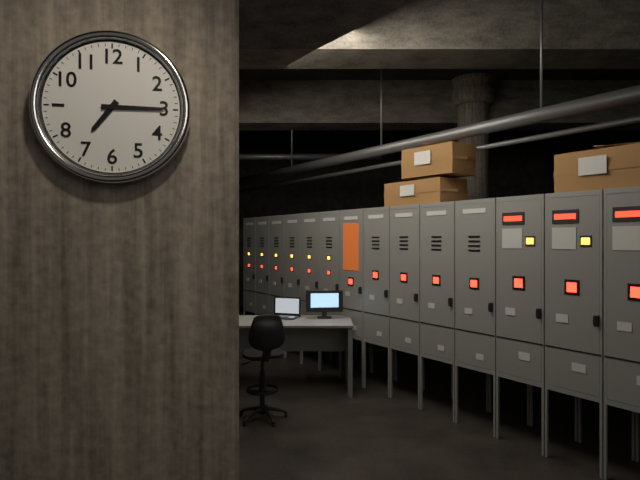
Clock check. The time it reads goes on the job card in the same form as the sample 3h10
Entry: 7h15
